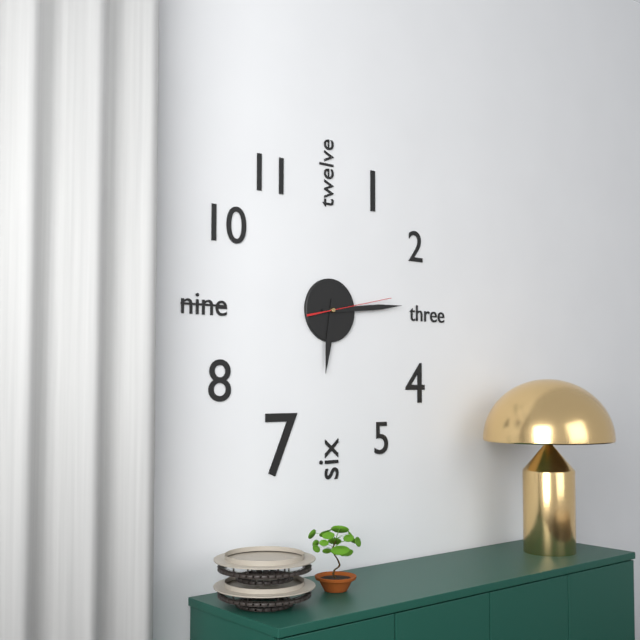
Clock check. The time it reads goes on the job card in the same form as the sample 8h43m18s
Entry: 6h14m13s
